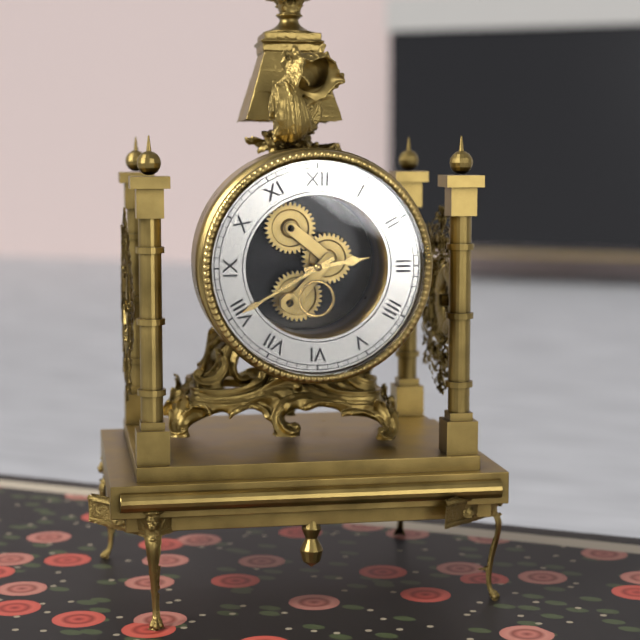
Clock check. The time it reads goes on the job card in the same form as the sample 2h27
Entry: 2h40
